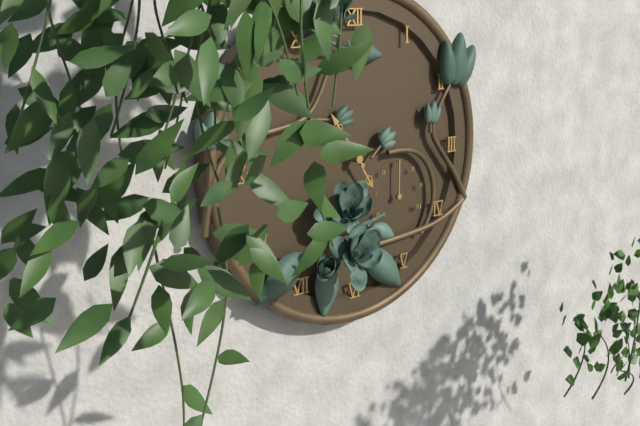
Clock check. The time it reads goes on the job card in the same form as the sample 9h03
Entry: 4h54
